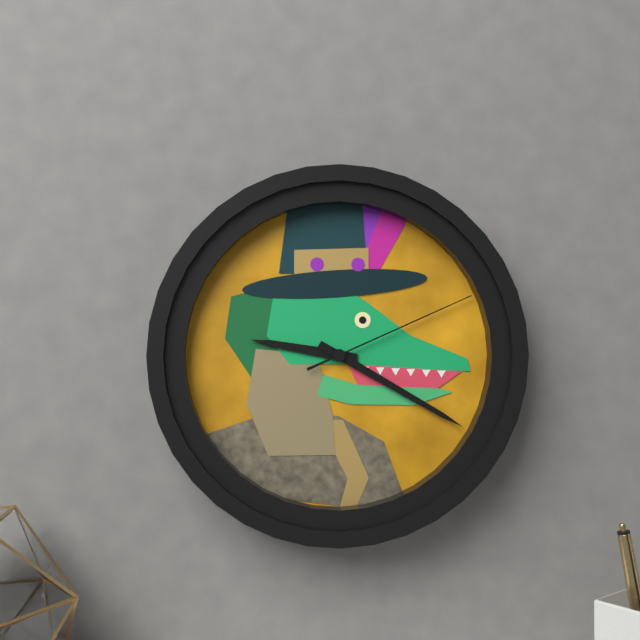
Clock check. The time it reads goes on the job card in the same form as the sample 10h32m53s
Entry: 9h20m11s
